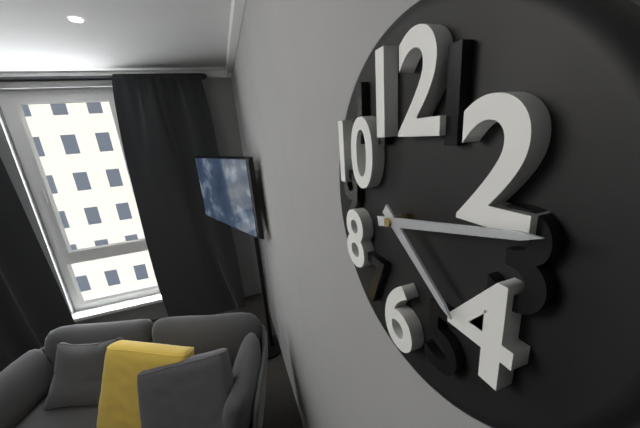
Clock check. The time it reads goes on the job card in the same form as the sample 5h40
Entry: 4h13
